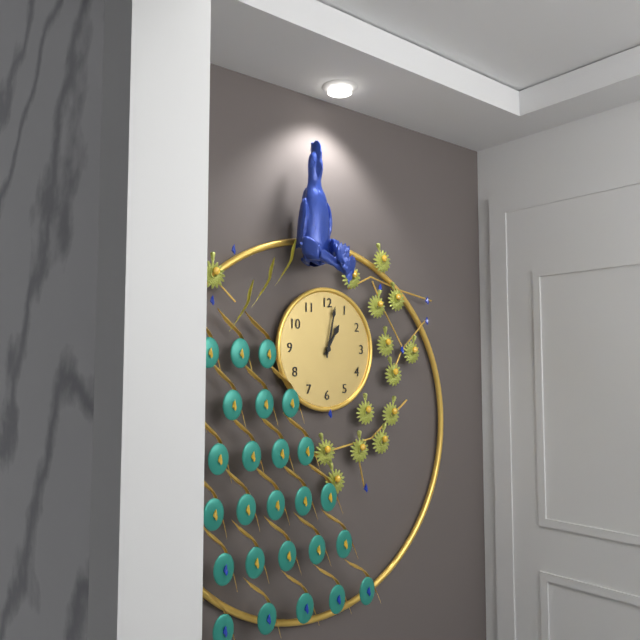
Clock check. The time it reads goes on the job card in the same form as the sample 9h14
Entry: 1h02
